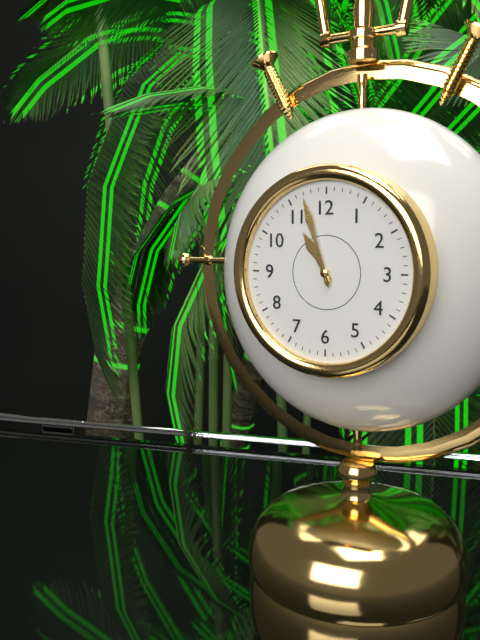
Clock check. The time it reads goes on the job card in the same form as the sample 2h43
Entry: 10h57
